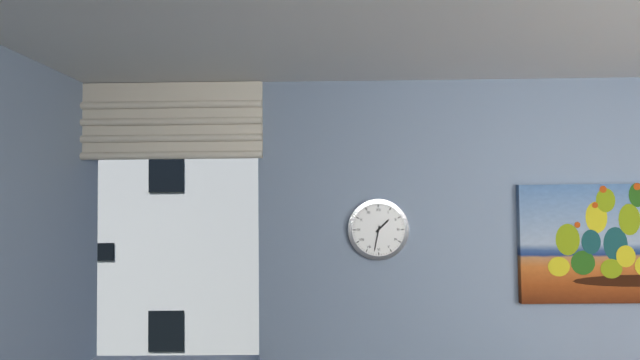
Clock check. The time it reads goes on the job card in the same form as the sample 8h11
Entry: 1h32
